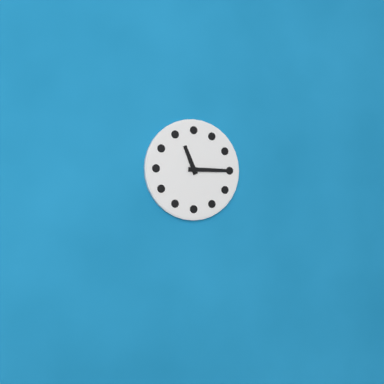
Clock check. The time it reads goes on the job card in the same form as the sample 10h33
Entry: 11h15
